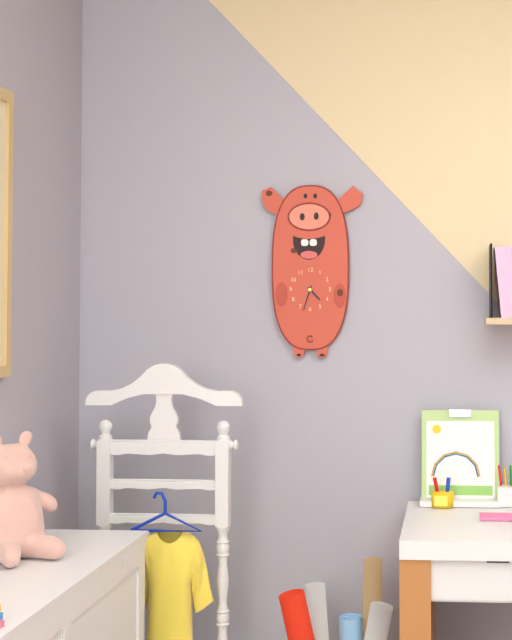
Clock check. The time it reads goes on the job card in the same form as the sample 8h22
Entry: 4h33
